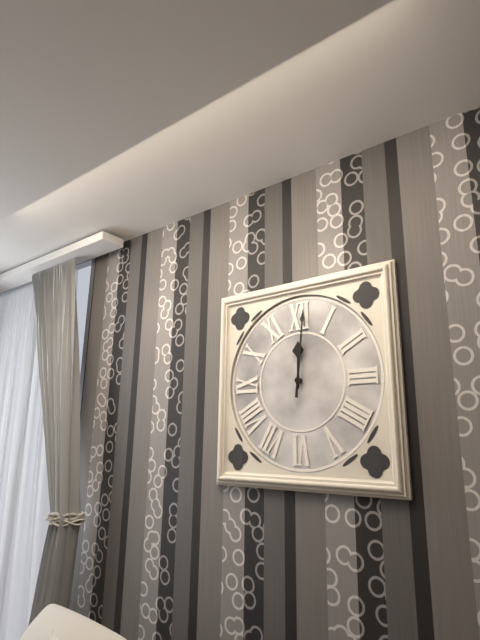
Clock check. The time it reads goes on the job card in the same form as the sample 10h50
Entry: 12h01
